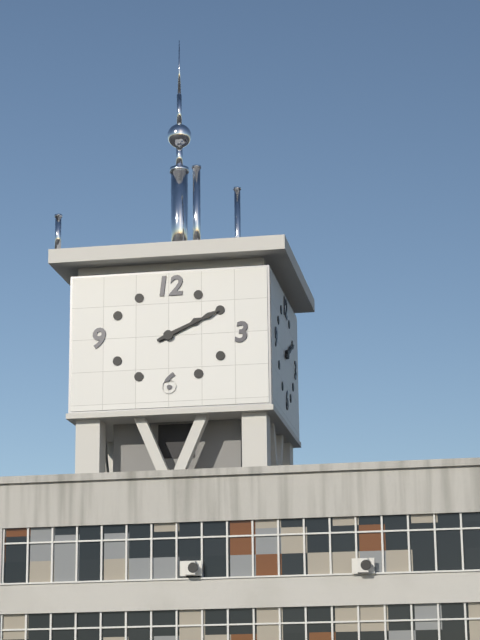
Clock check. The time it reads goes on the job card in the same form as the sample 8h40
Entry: 2h11
